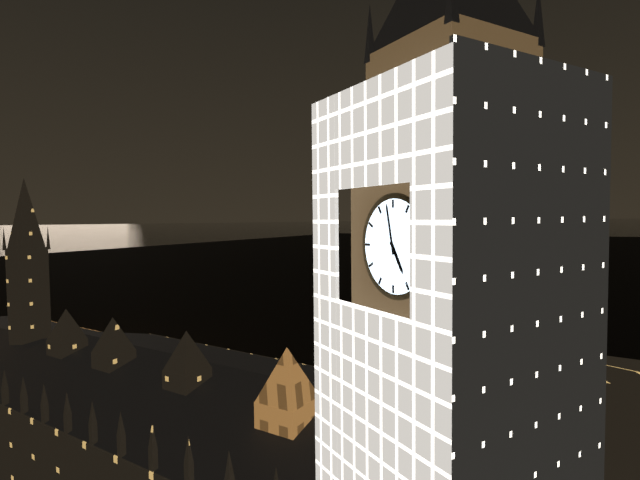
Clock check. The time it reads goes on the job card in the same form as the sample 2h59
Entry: 4h58
